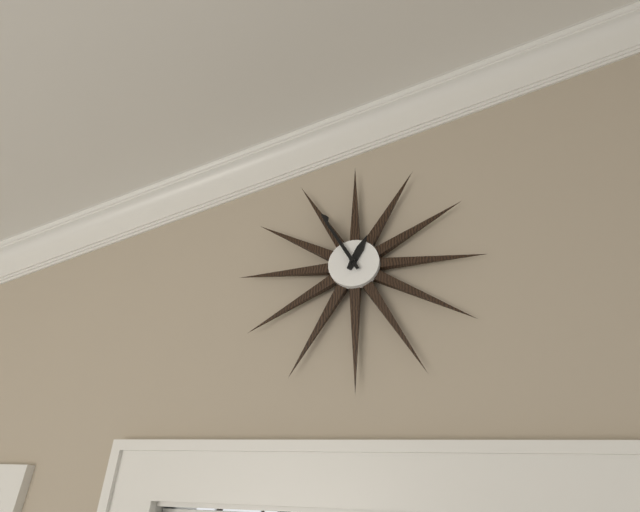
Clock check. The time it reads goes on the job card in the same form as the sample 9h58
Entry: 12h55
